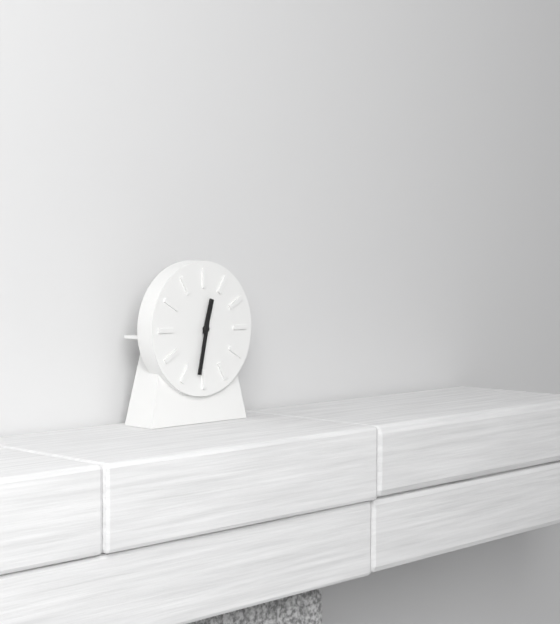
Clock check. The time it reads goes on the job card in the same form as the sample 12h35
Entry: 12h32
